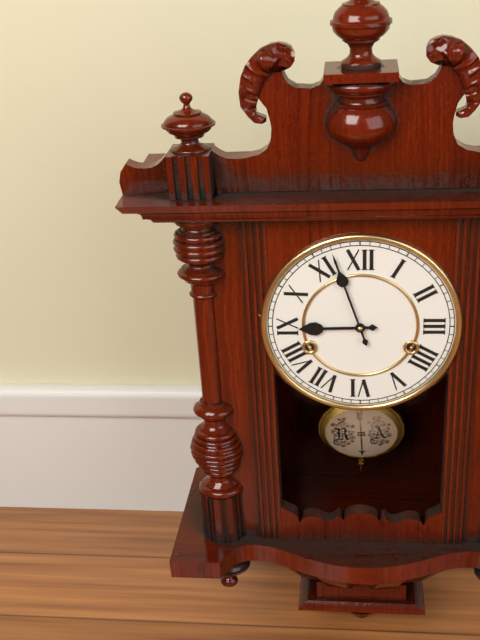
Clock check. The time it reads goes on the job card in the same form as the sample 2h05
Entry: 8h57
